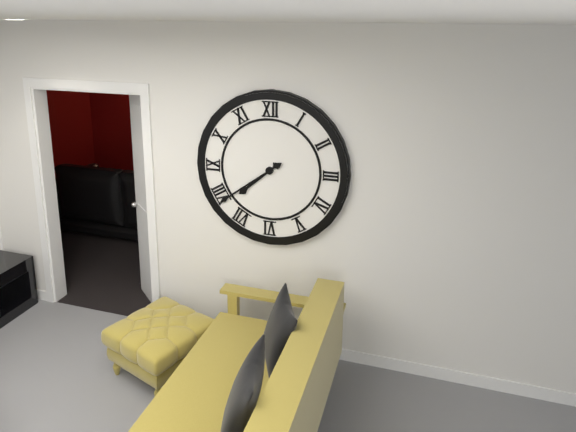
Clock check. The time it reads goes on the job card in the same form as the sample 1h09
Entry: 7h39
